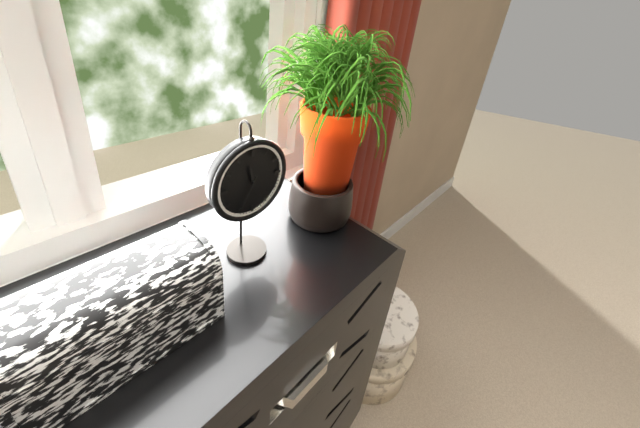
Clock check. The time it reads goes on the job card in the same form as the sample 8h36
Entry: 11h35
